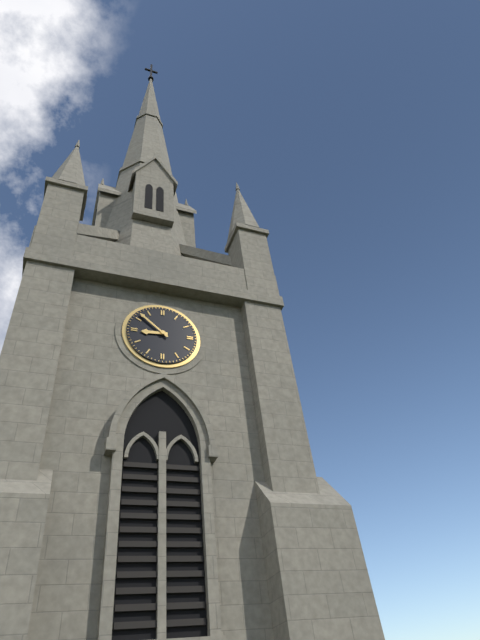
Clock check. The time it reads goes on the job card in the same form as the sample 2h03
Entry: 8h52
